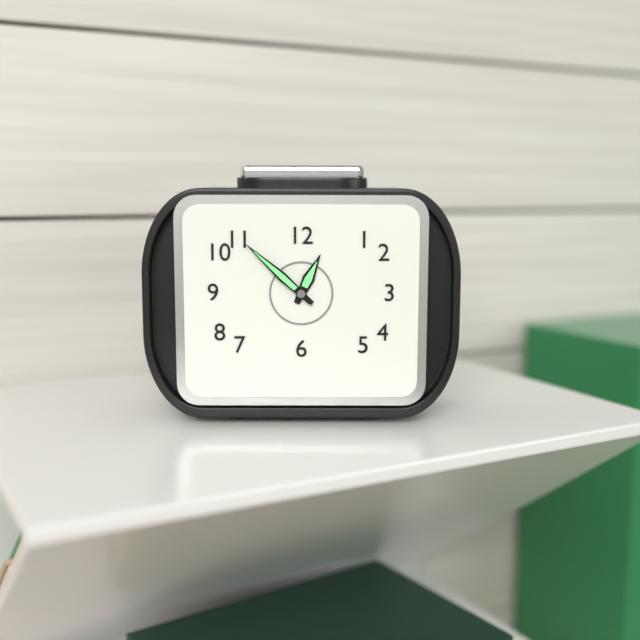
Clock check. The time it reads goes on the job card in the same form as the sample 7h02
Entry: 12h52
